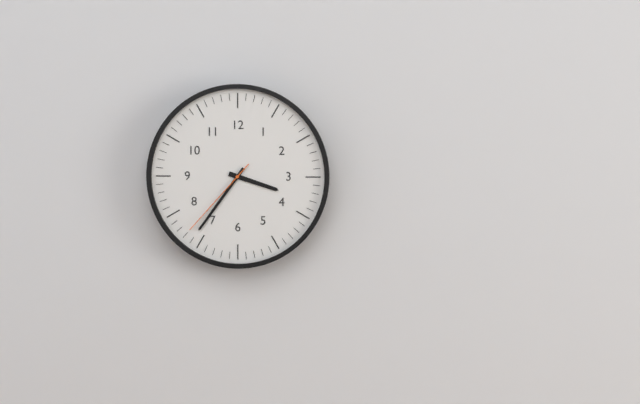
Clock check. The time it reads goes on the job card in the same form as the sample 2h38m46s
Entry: 3h36m37s
